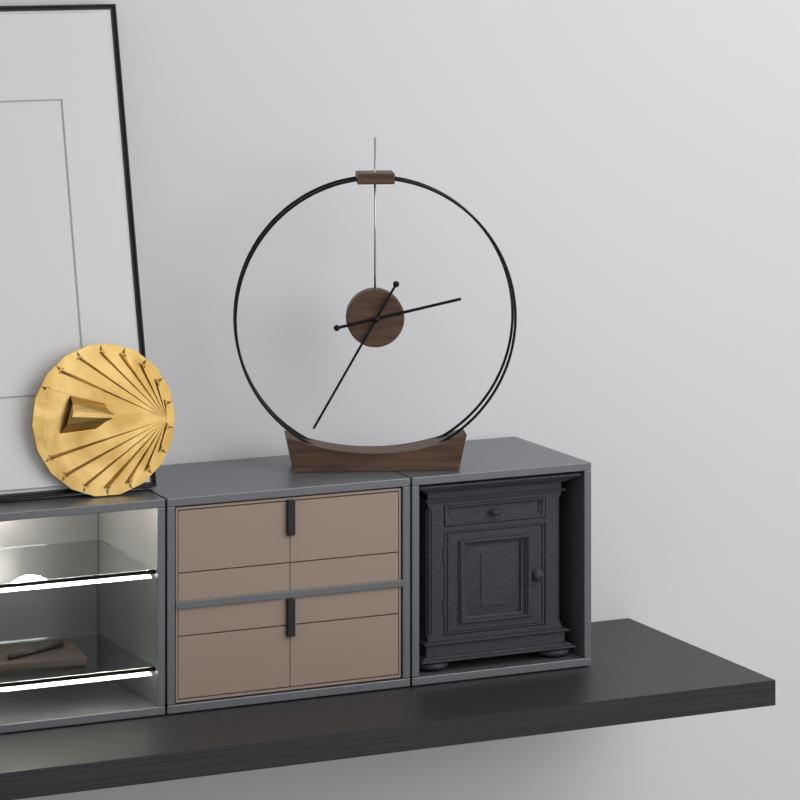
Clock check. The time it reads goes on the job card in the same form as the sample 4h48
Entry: 2h35
